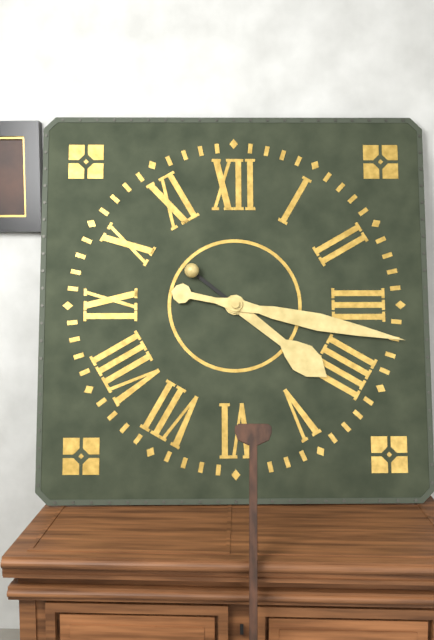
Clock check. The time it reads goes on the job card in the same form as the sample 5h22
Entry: 4h17
